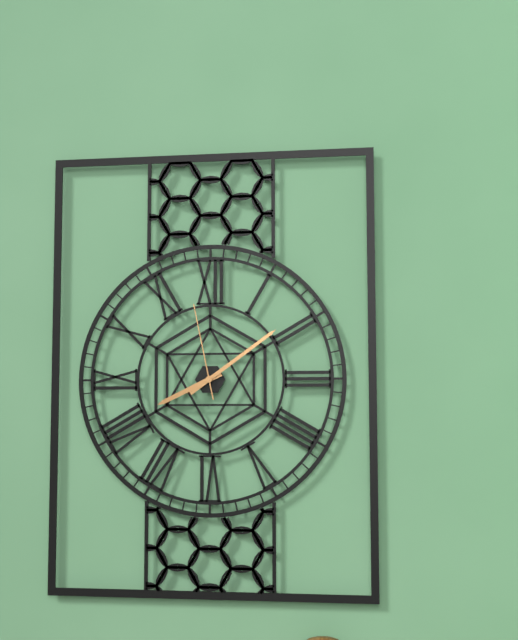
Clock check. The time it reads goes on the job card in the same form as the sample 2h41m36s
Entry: 8h09m58s
